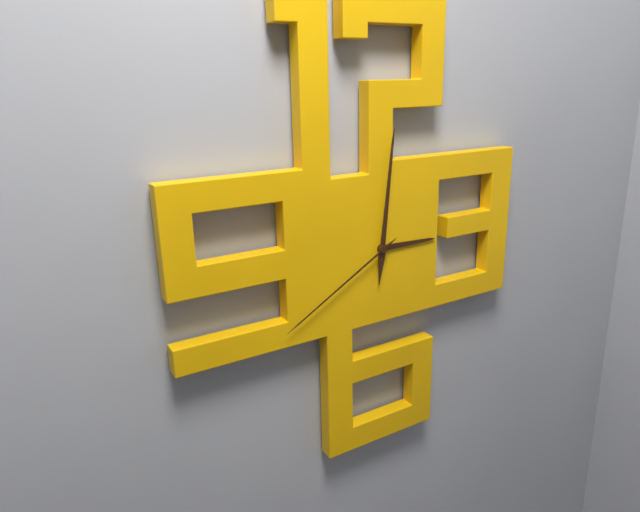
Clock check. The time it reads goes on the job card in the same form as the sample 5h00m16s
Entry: 3h01m40s
